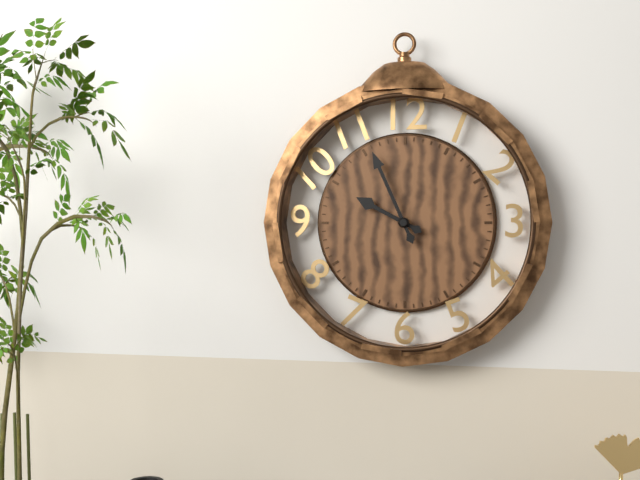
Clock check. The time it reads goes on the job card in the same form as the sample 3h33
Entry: 9h56
